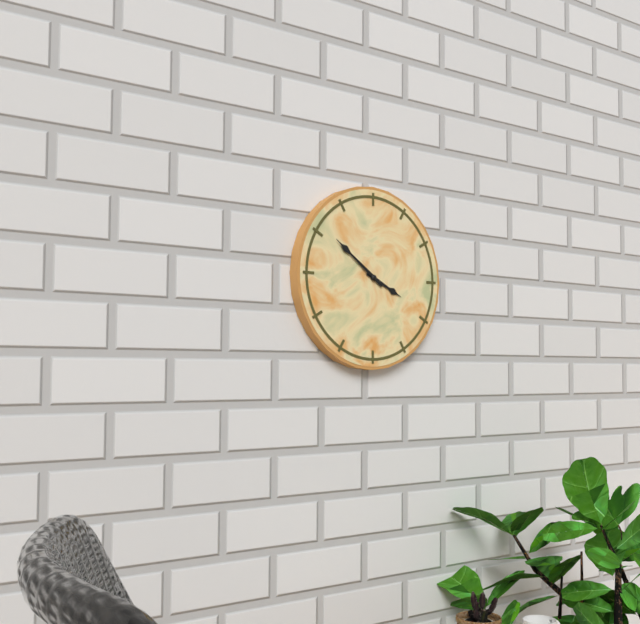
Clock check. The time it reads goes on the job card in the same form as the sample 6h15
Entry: 3h51
